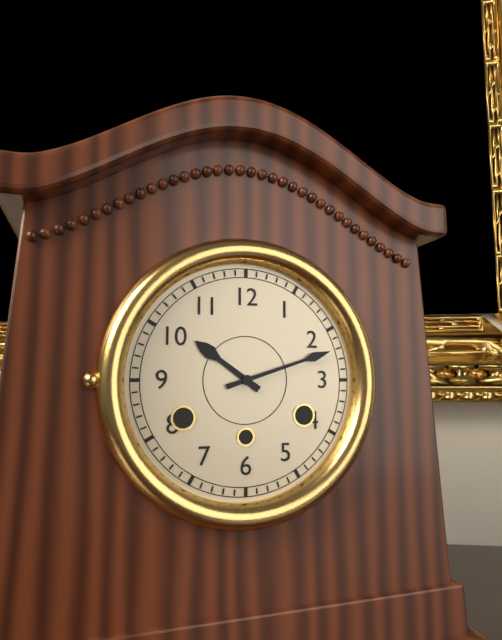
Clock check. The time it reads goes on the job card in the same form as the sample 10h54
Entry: 10h12
